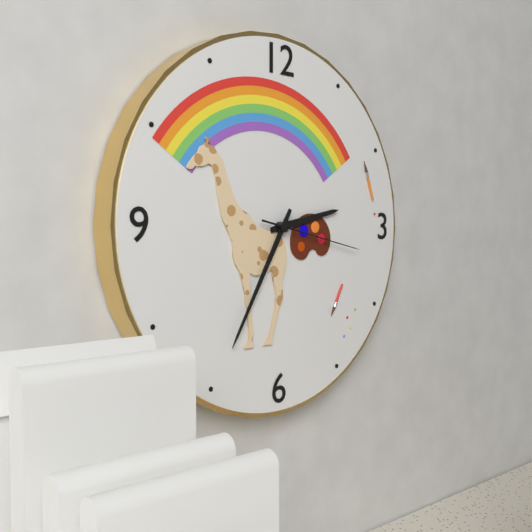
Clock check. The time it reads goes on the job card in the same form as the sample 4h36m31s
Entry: 2h35m17s
